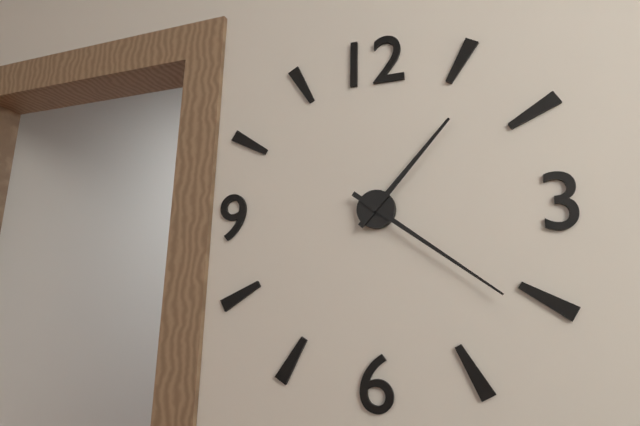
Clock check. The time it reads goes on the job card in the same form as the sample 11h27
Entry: 1h21
